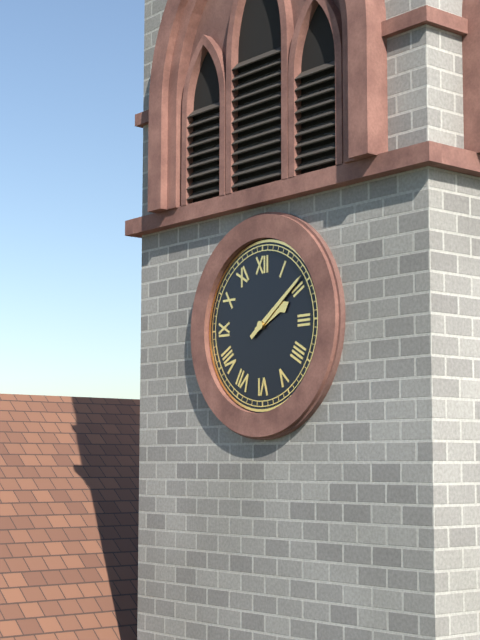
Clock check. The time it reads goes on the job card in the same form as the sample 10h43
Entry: 2h09
